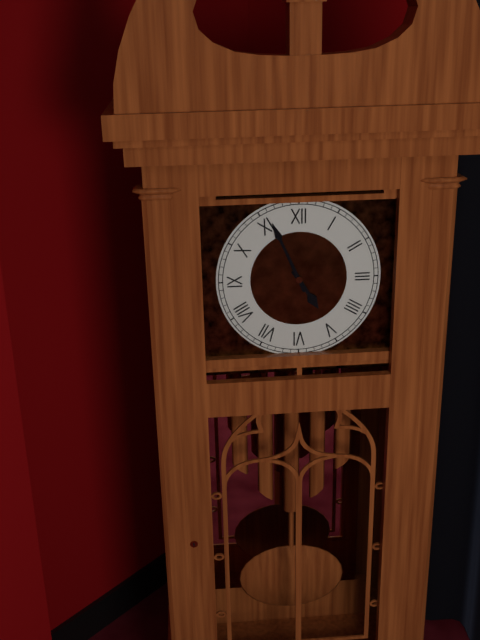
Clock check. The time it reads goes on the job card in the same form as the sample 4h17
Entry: 4h56
